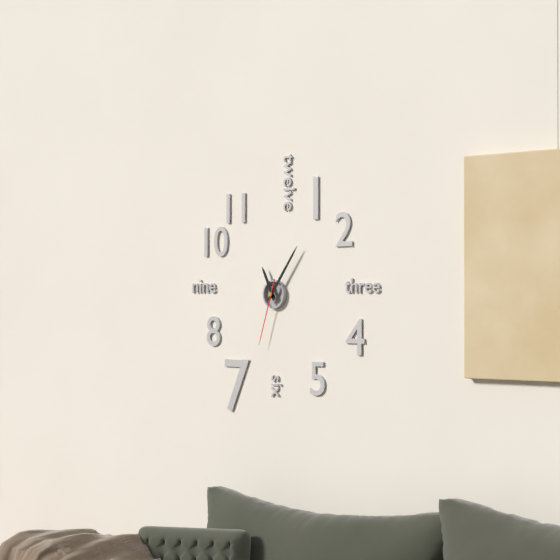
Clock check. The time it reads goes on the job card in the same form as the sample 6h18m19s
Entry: 11h06m33s
